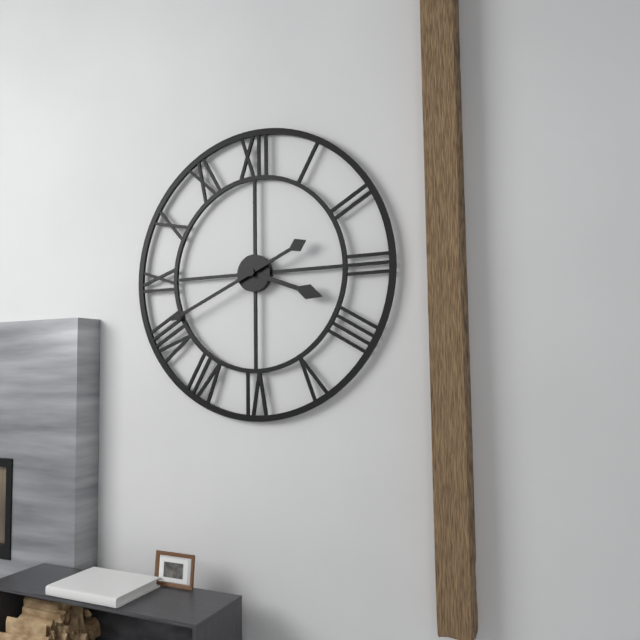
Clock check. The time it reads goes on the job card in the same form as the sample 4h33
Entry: 3h41
